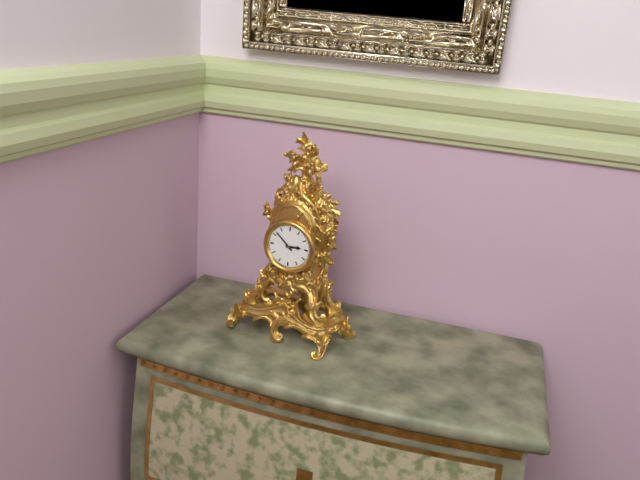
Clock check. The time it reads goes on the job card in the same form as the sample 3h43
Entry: 2h52
